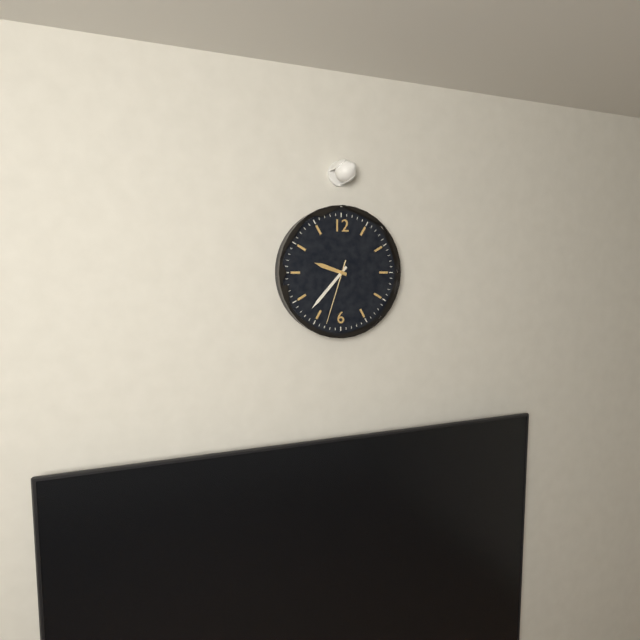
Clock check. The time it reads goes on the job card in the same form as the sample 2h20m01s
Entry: 9h37m33s
